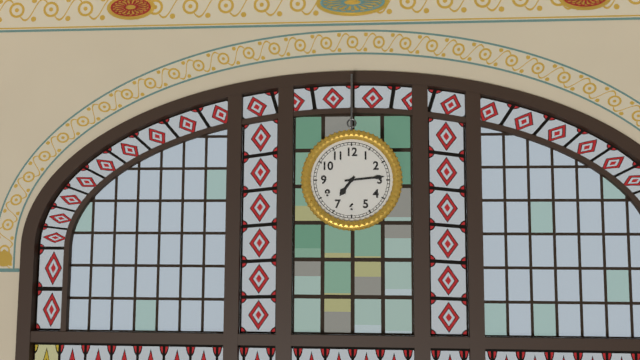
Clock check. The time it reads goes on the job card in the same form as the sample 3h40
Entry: 7h14
